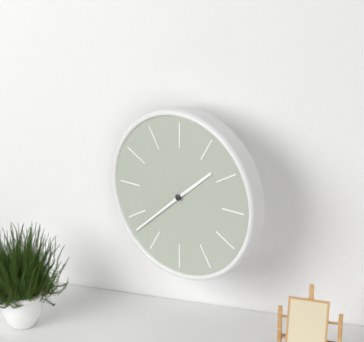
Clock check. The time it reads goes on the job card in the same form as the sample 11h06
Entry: 1h38
